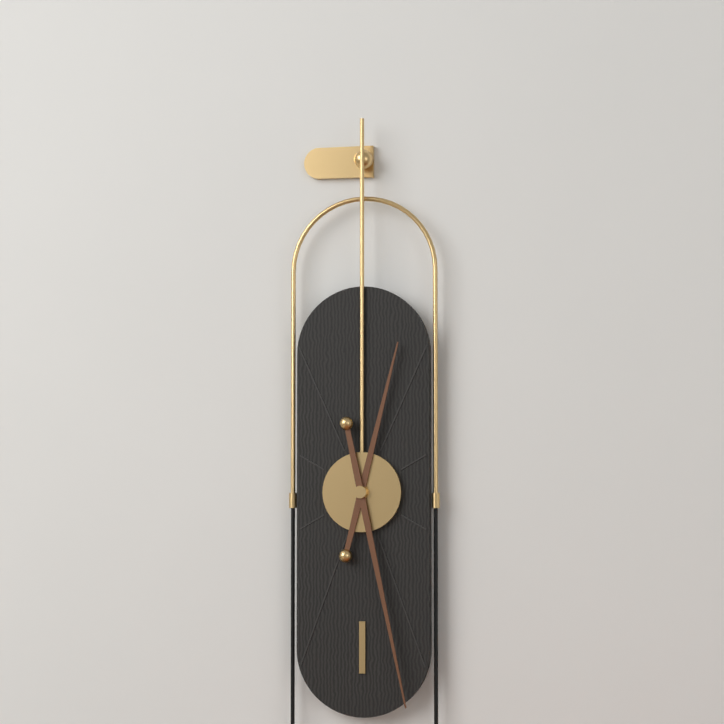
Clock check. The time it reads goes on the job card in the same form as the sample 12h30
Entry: 12h28
